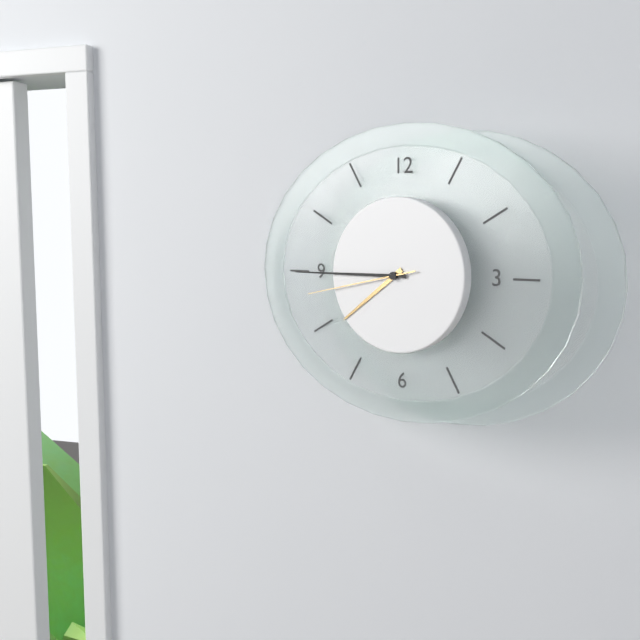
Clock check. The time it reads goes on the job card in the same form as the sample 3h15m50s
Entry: 7h45m43s
